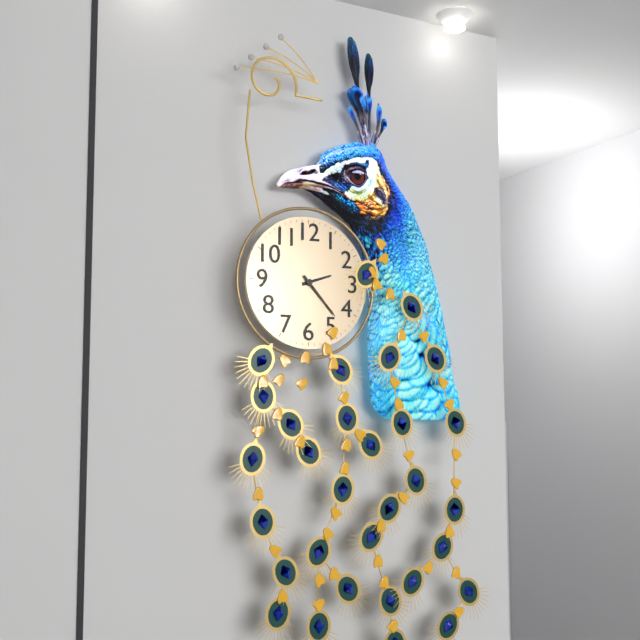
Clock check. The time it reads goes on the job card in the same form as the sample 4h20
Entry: 2h23
